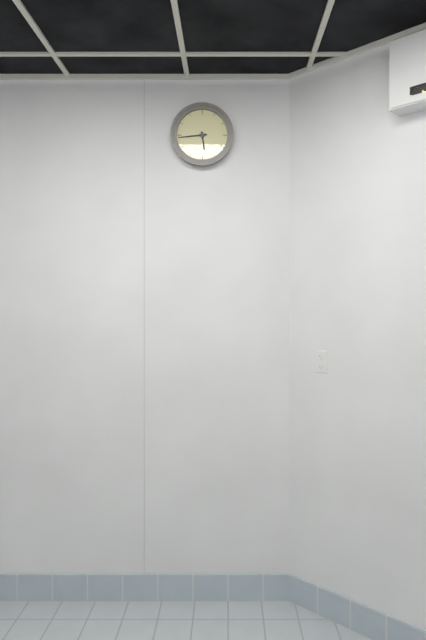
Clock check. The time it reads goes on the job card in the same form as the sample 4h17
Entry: 5h44
